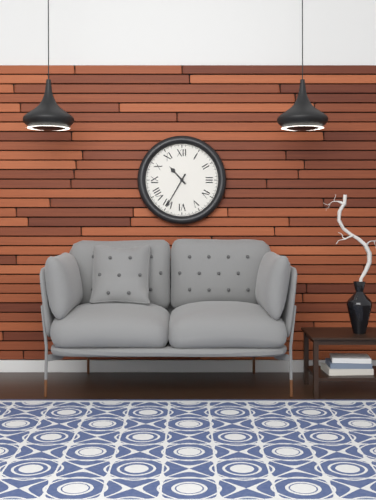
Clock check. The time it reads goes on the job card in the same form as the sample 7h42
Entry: 10h35
